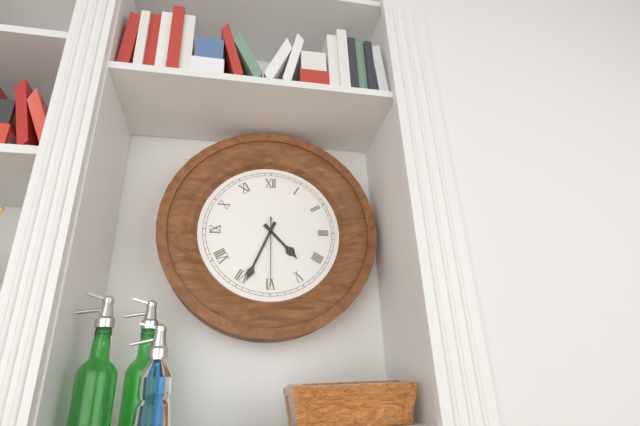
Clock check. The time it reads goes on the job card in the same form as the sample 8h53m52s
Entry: 4h34m30s
